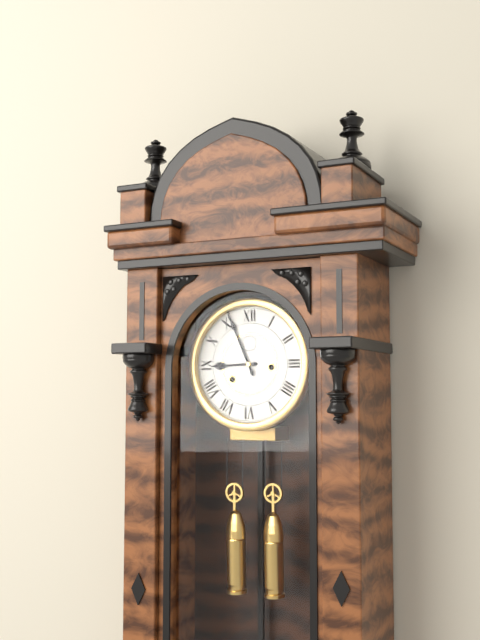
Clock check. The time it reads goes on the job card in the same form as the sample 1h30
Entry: 8h56
